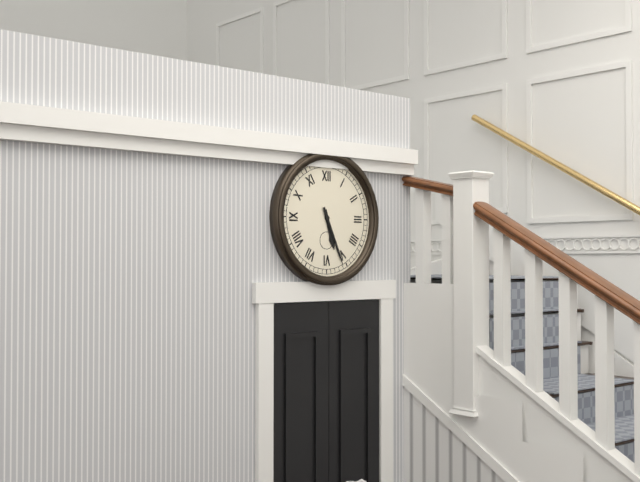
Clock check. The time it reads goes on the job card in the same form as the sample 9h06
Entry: 5h26
